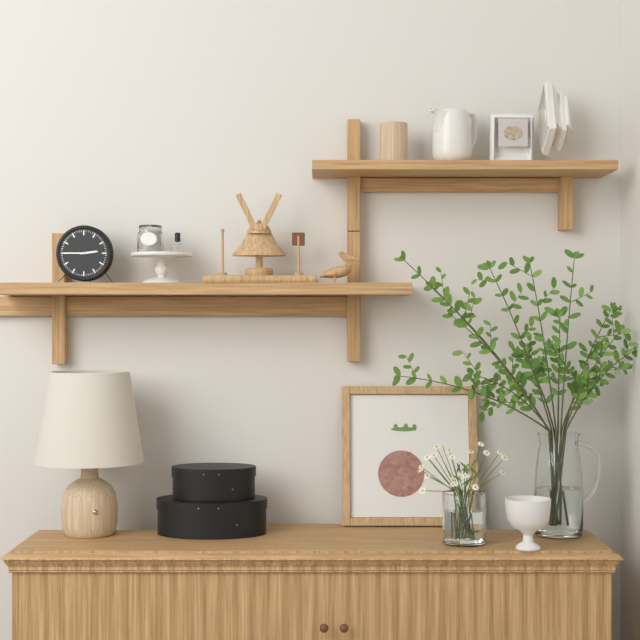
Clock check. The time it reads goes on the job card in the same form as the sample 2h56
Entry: 2h45
